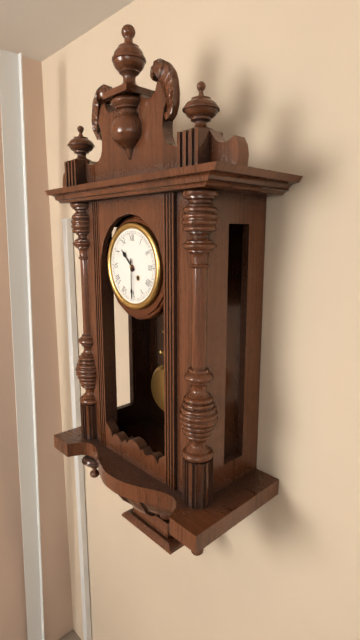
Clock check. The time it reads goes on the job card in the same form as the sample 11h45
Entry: 10h30
